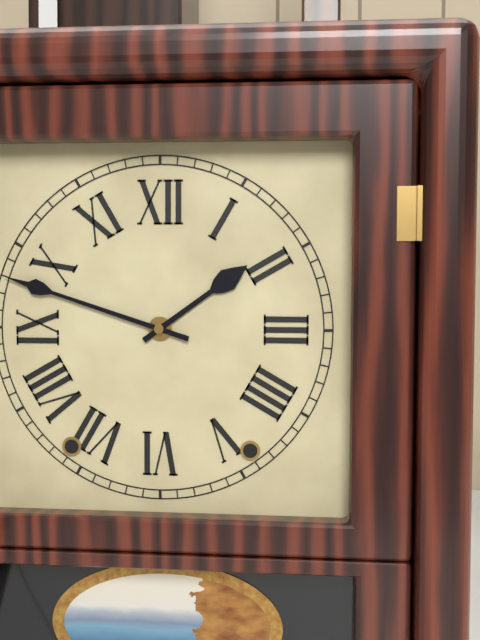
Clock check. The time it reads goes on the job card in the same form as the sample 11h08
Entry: 1h48
